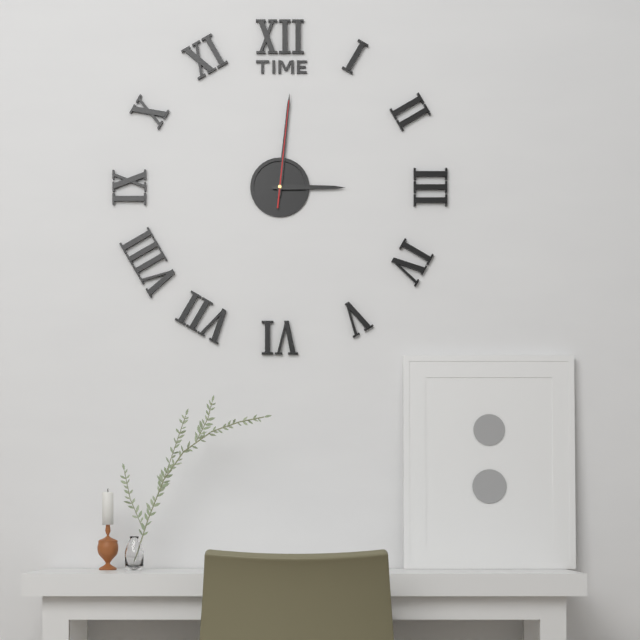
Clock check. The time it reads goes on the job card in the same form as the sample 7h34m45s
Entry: 3h01m01s
